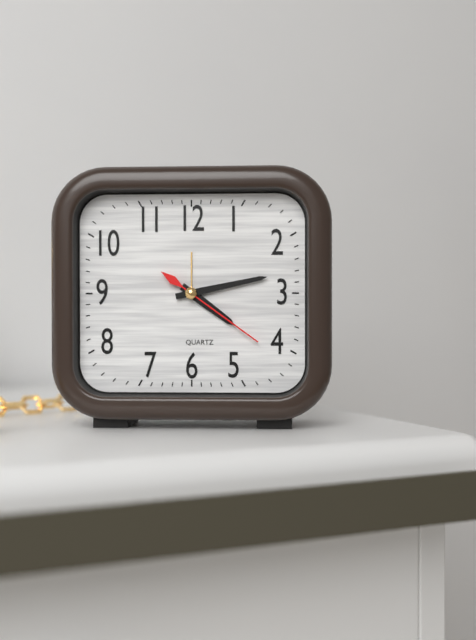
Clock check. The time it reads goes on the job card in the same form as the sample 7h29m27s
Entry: 4h13m21s
